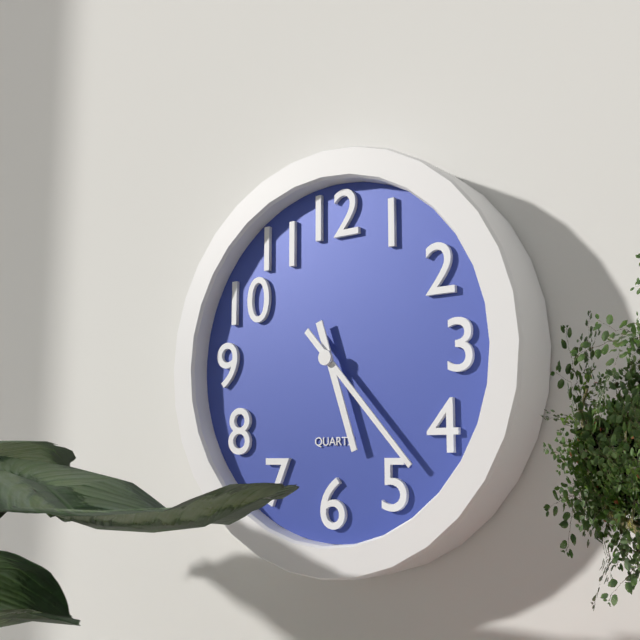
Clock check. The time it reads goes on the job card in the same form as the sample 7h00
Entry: 5h23
